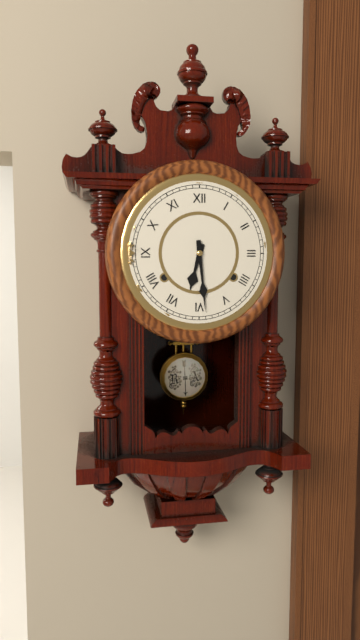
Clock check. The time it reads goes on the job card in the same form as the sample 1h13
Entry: 6h29
